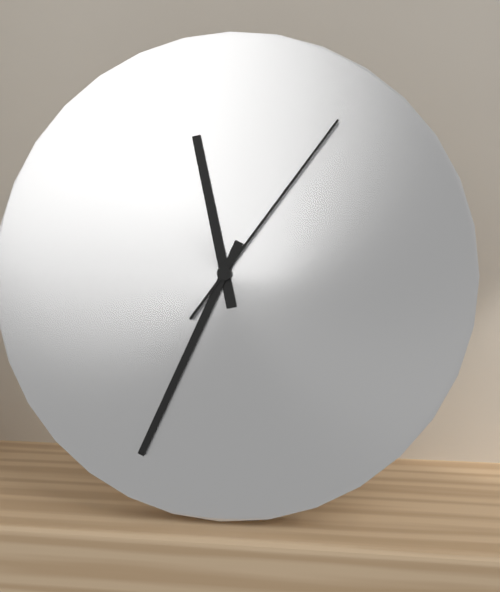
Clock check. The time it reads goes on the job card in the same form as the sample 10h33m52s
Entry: 11h34m06s
